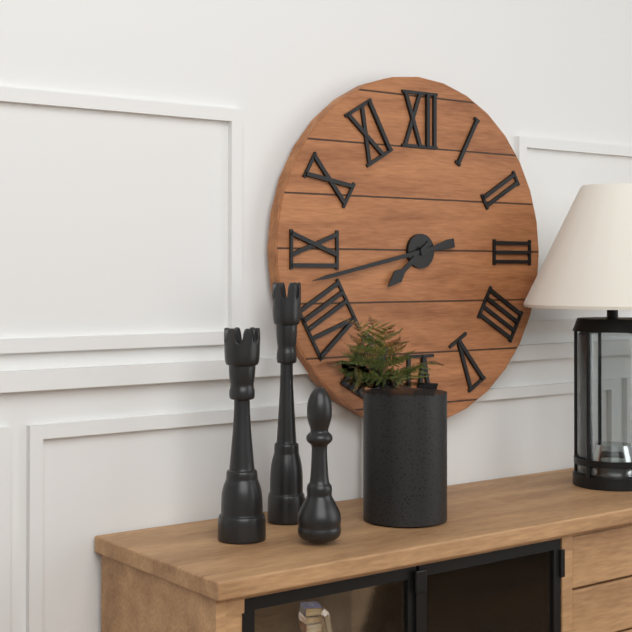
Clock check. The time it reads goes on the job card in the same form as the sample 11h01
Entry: 7h43
